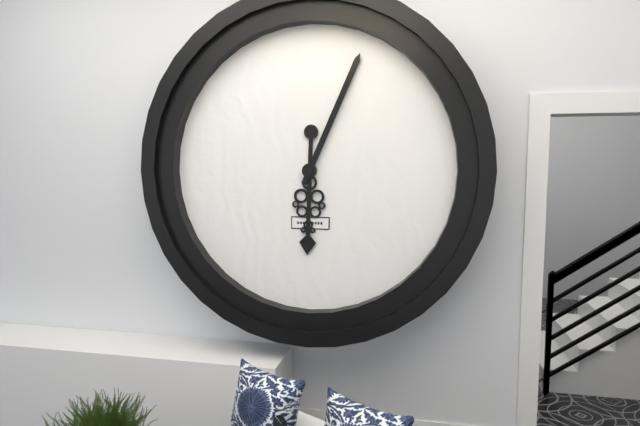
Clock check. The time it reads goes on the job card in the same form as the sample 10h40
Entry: 6h04
